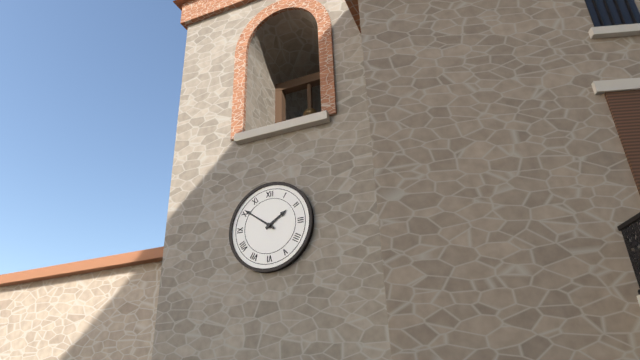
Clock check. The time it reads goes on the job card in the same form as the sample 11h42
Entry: 1h51
